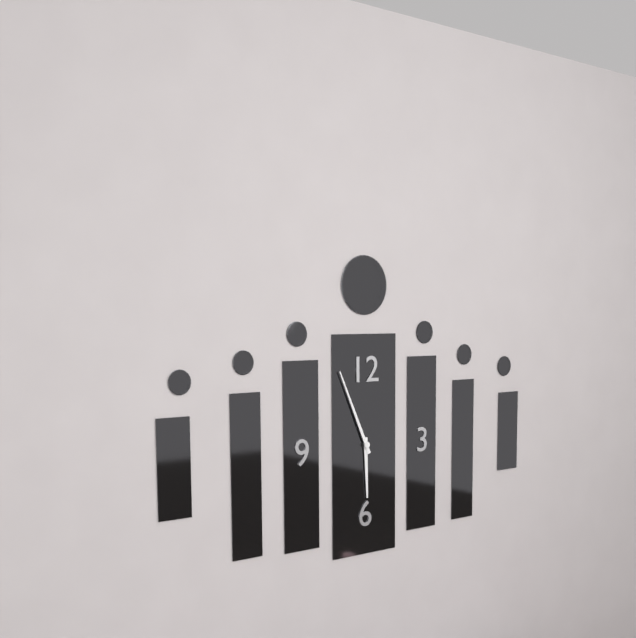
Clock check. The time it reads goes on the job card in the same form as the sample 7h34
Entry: 5h56
